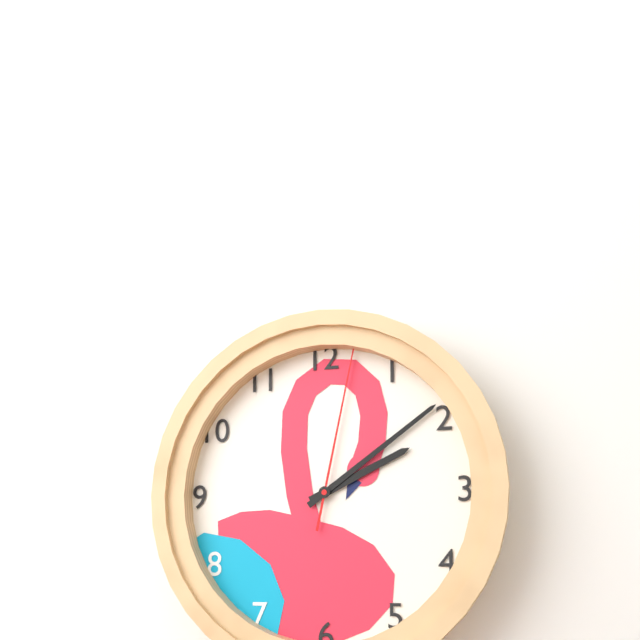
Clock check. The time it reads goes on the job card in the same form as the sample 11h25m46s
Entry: 2h09m02s
